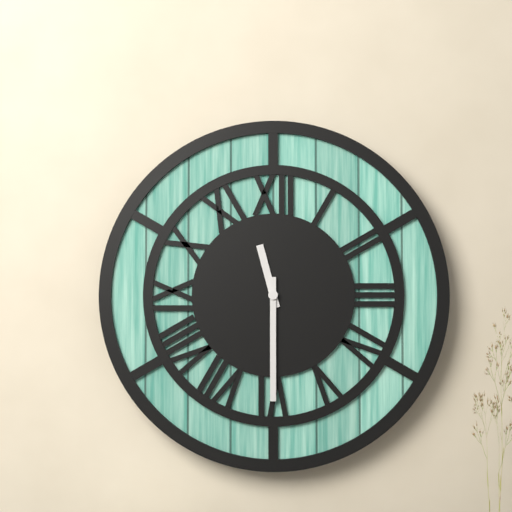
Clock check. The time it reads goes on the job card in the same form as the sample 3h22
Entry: 11h30
